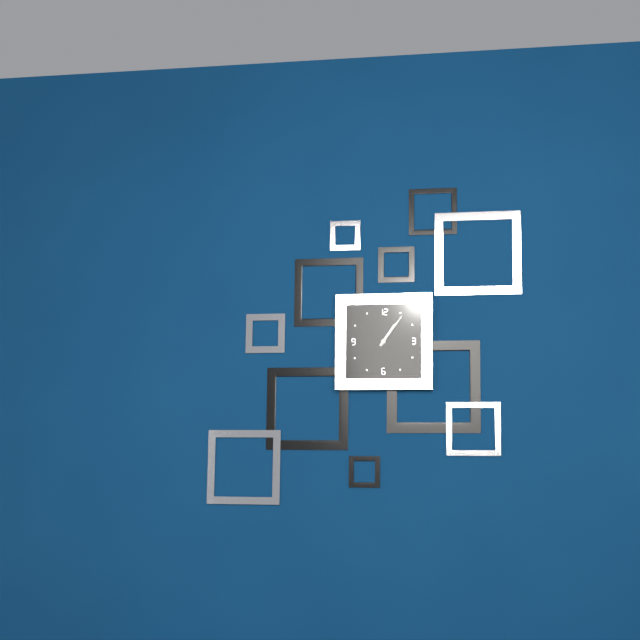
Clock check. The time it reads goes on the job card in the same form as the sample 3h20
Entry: 1h06
